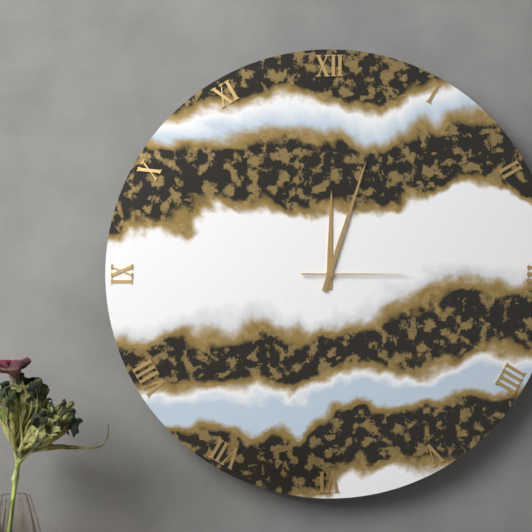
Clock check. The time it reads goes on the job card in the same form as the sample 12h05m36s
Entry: 12h03m15s
